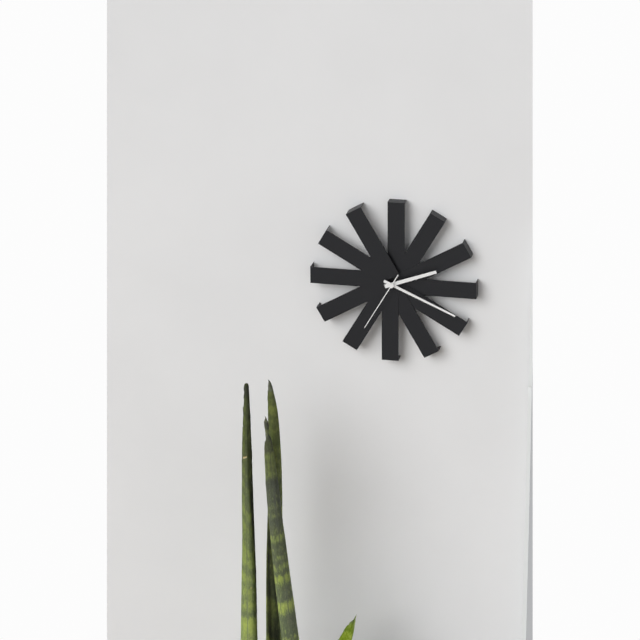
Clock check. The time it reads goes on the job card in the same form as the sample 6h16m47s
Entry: 2h19m35s
